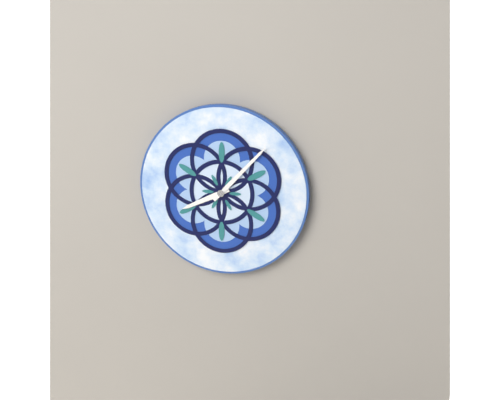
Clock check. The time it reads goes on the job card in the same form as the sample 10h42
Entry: 8h07
